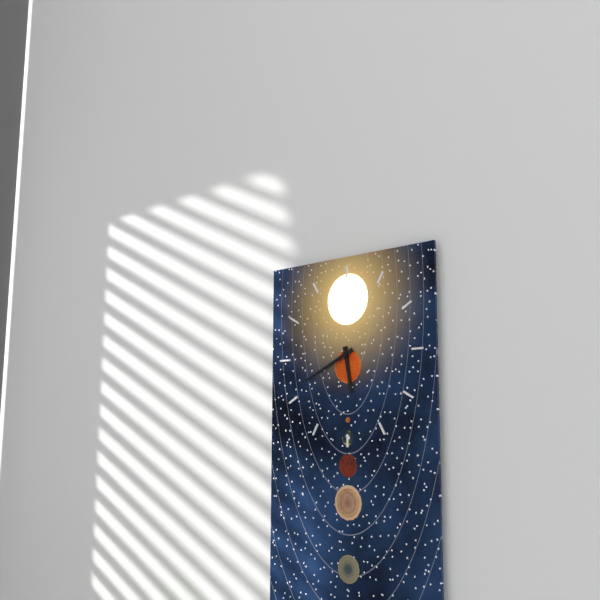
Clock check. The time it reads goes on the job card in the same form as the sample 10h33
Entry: 5h41
